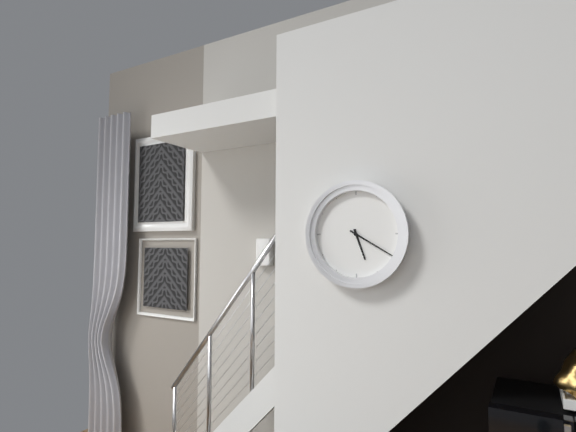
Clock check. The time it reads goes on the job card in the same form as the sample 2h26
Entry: 5h20
